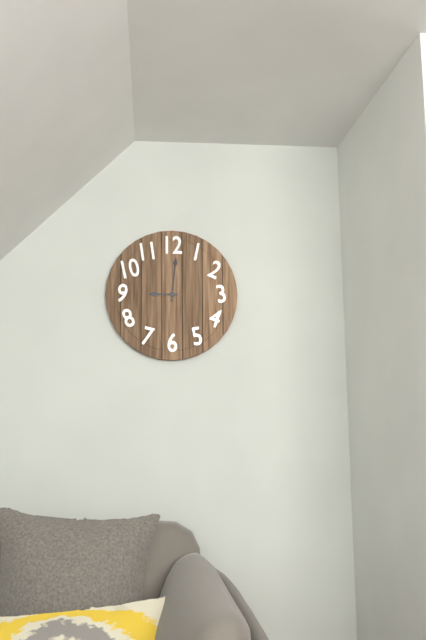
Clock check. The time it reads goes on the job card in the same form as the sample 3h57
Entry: 9h01
